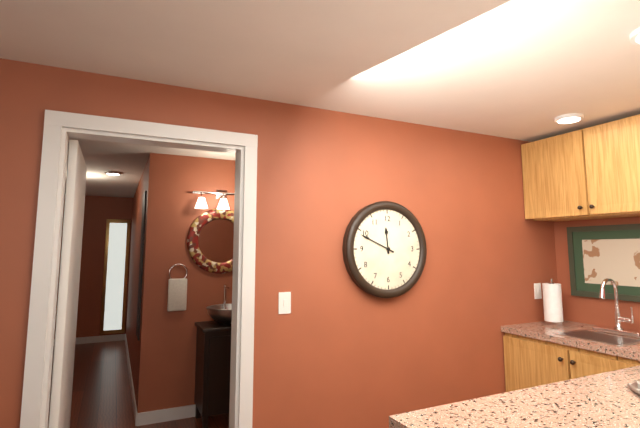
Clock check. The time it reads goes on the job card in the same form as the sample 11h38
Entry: 11h49
